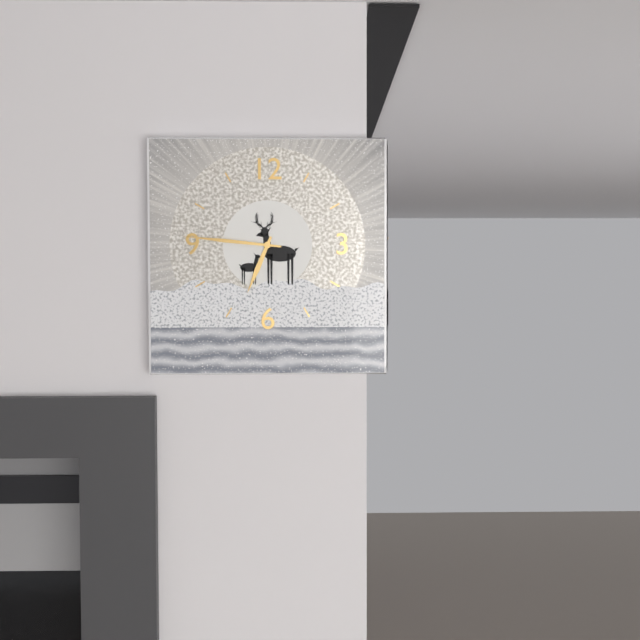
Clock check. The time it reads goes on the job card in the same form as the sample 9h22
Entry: 6h46
